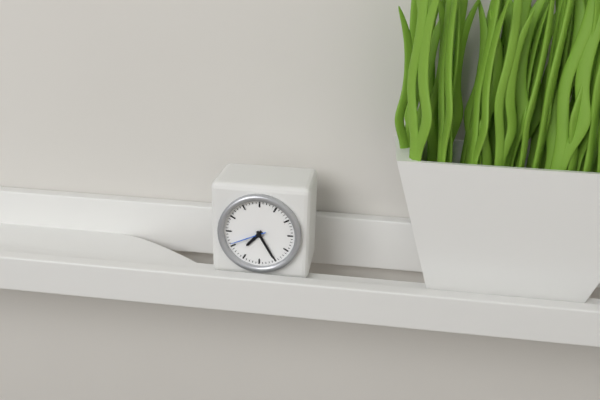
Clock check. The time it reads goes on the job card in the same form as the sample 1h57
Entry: 7h25
